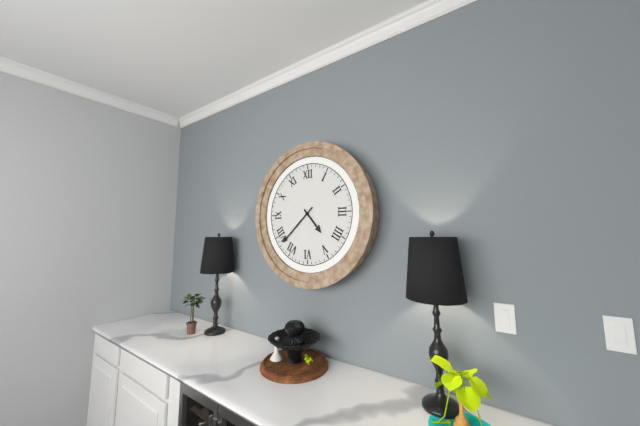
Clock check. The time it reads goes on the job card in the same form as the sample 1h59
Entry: 4h38
